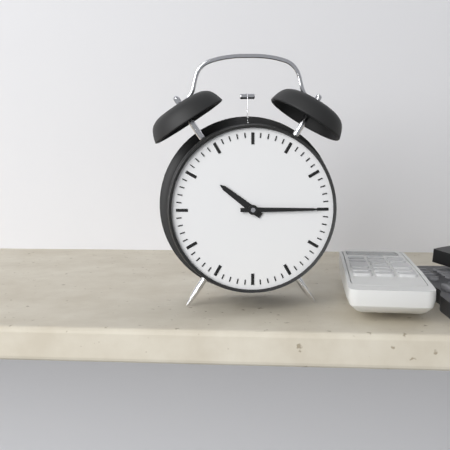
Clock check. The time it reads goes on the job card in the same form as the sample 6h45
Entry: 10h15
